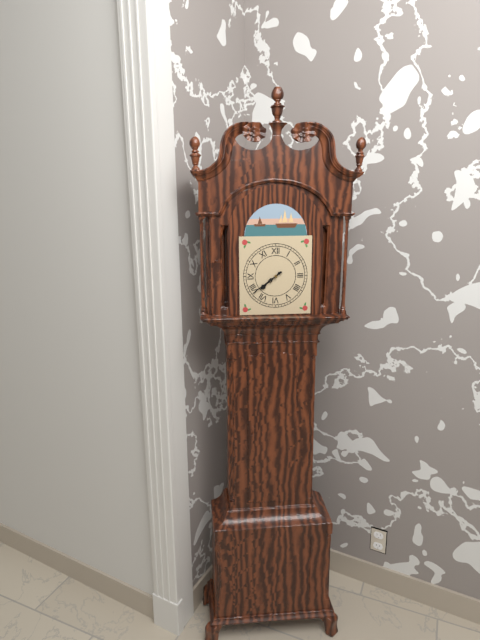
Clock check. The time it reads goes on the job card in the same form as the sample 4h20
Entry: 7h39
